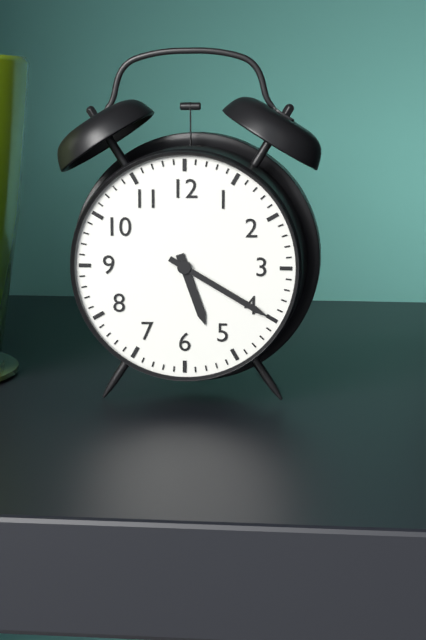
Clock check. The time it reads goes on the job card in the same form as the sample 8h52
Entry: 5h20
